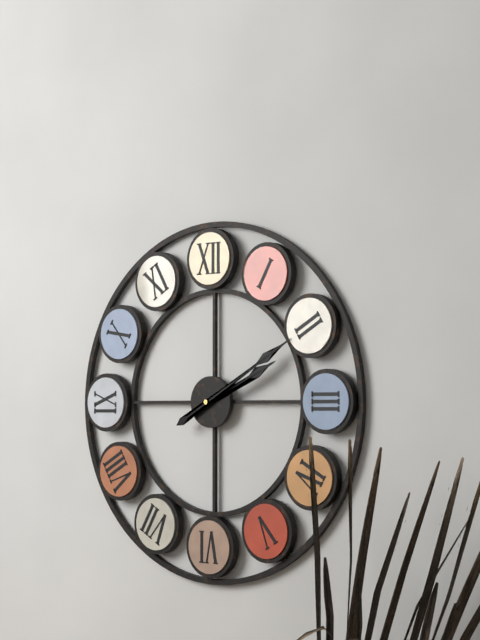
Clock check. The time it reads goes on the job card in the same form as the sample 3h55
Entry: 2h10
